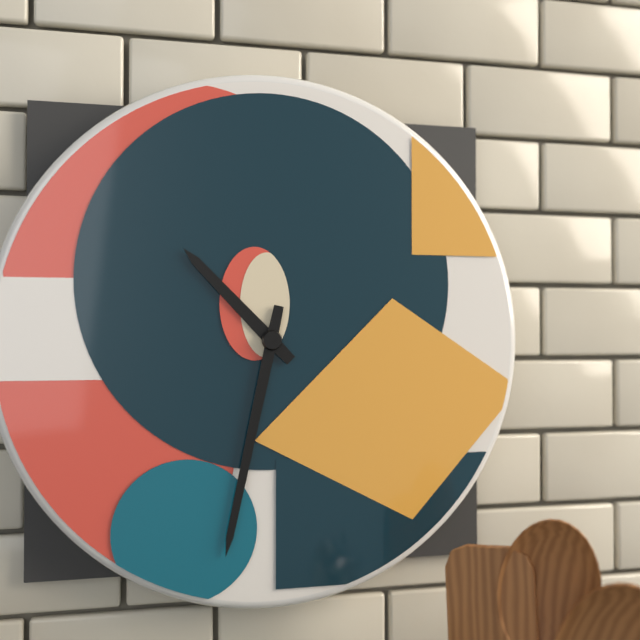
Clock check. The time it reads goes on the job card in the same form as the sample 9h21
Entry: 10h32
